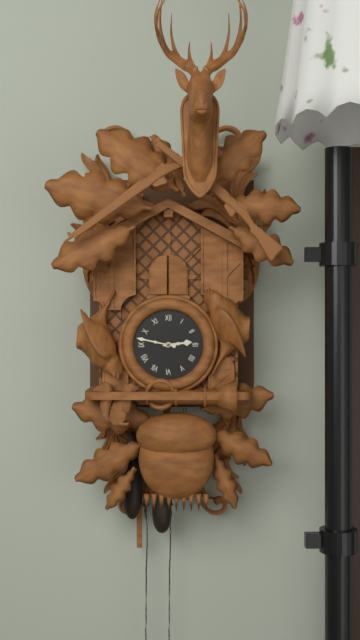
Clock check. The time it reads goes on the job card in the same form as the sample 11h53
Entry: 2h47
